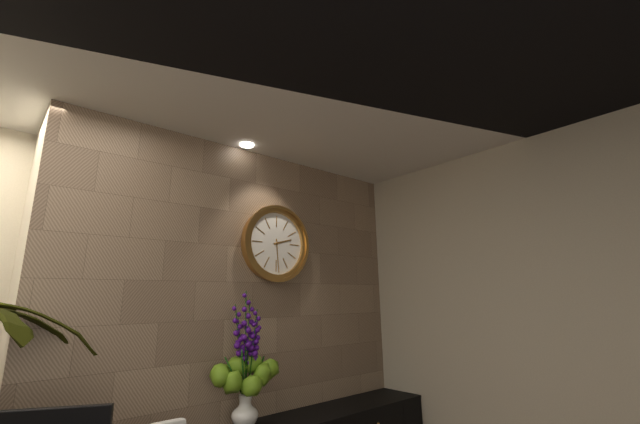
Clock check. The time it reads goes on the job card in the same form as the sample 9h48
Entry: 2h29
